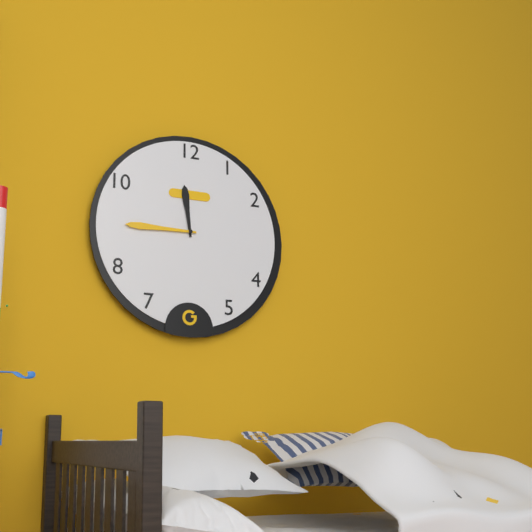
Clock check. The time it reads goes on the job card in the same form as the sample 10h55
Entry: 11h45
